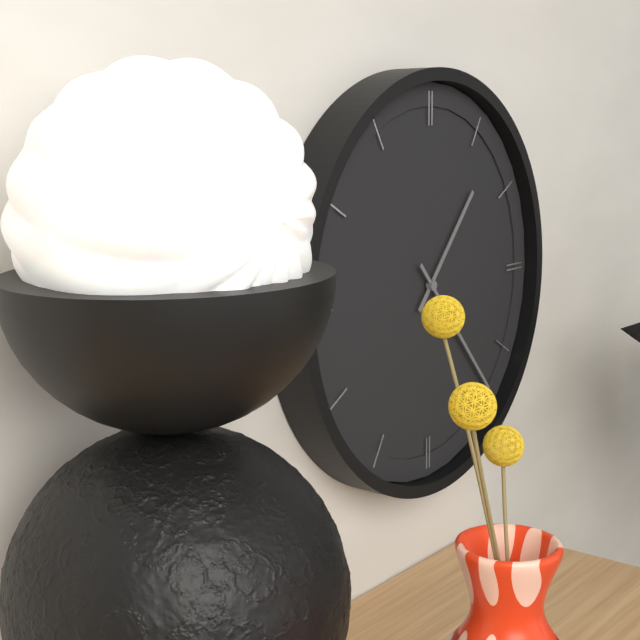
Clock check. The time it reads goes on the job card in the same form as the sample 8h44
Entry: 1h23
